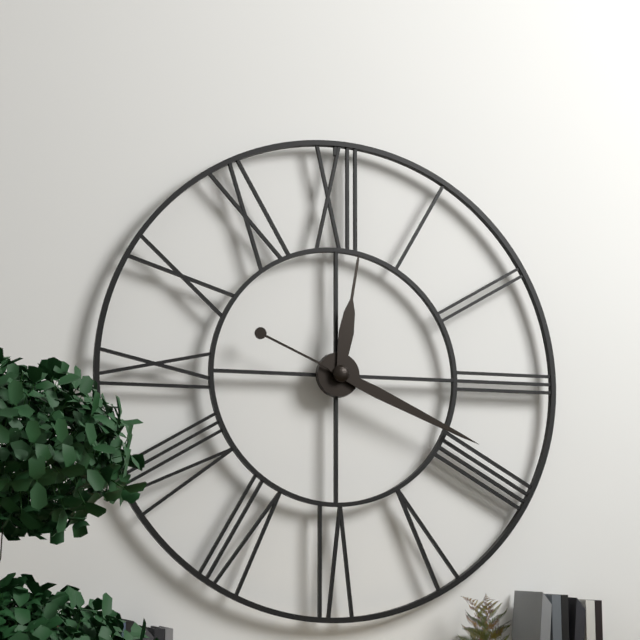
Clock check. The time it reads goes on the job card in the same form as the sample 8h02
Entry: 12h19
